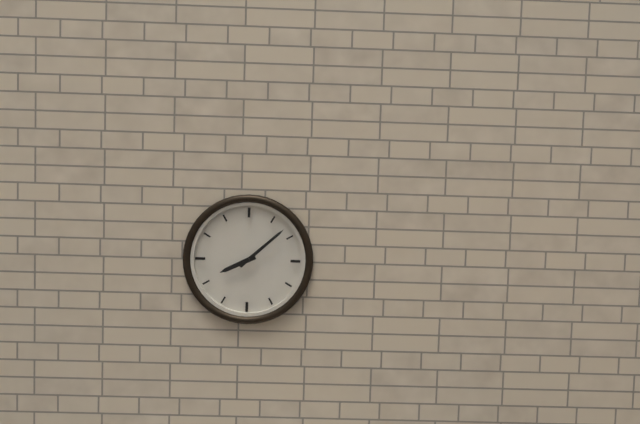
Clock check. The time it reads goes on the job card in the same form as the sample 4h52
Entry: 8h08
